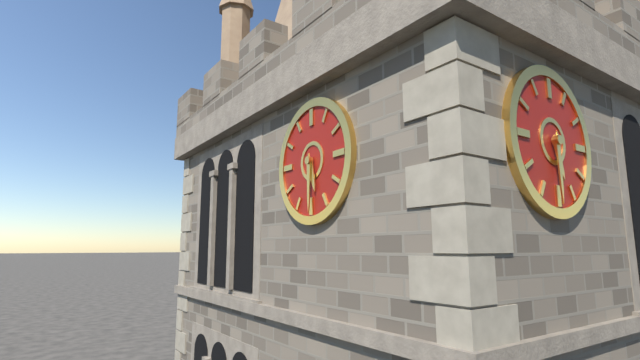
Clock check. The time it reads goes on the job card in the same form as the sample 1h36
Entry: 5h30
